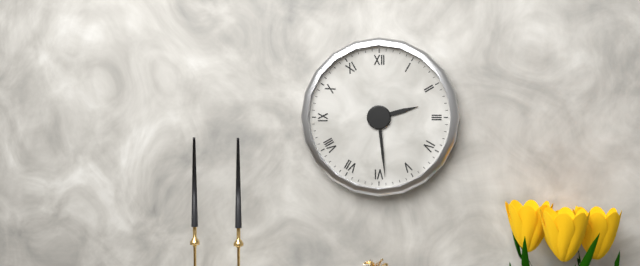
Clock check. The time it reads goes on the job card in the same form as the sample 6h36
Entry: 2h29
